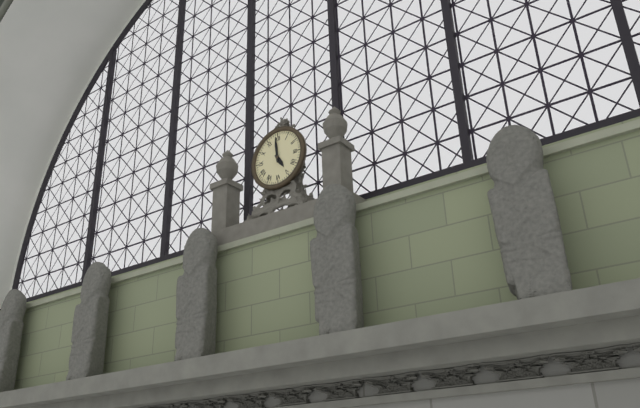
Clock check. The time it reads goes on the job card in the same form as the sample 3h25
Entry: 4h59
